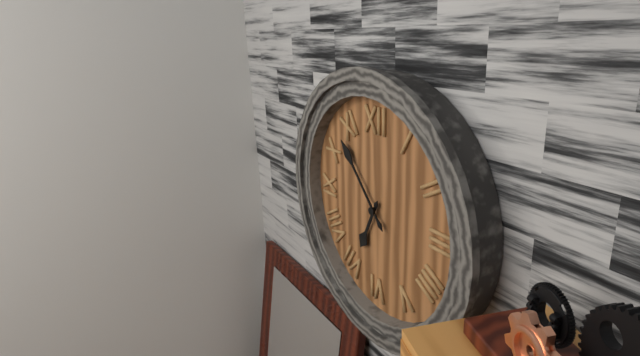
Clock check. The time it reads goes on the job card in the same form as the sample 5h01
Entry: 6h53
